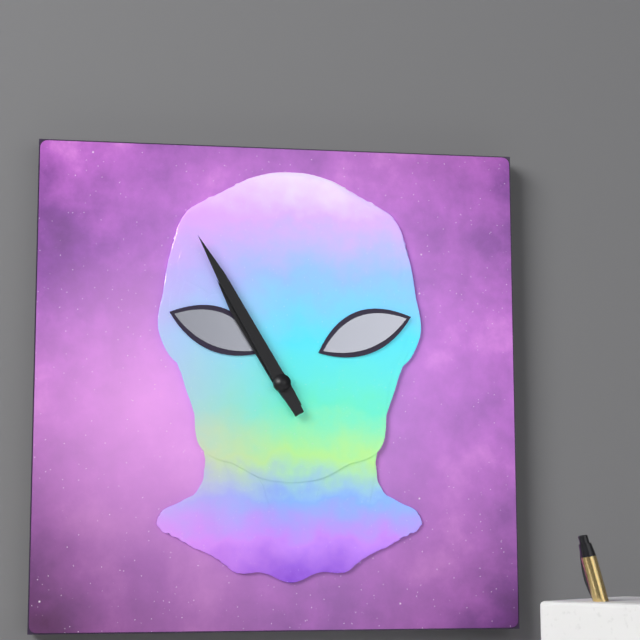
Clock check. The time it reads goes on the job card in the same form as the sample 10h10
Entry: 10h55
